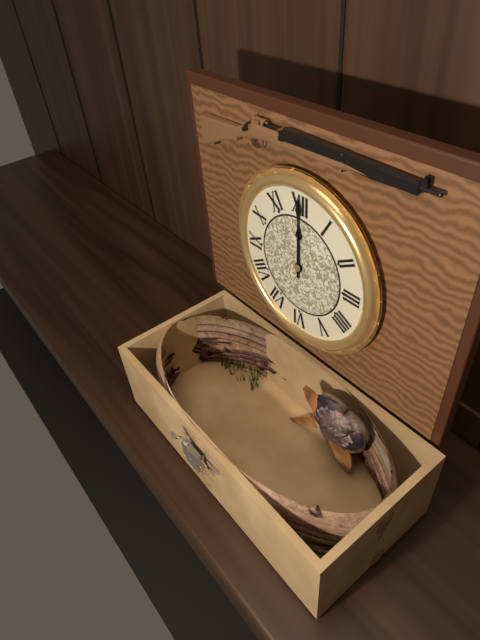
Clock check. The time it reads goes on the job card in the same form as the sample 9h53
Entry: 12h00
